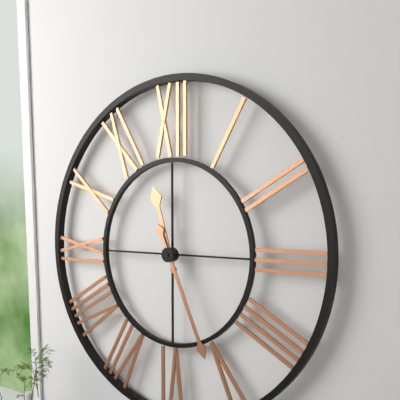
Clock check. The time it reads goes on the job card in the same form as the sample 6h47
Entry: 11h26
